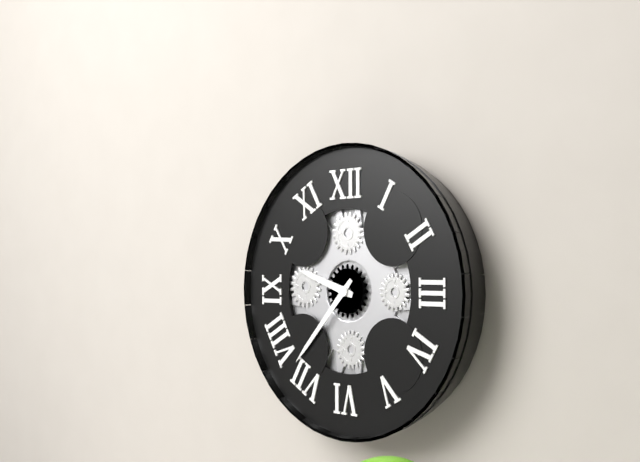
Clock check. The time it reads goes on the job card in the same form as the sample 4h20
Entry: 9h37
